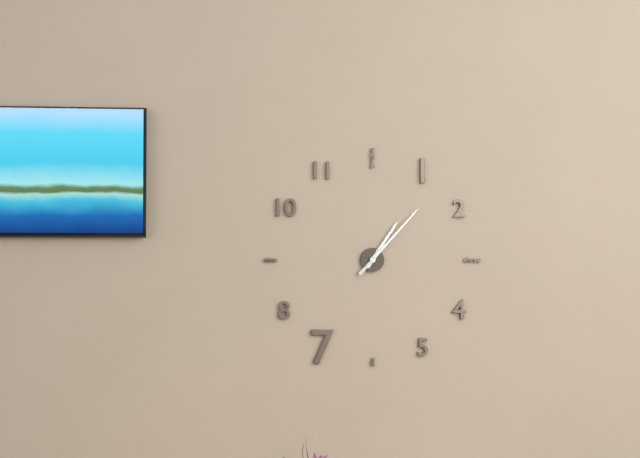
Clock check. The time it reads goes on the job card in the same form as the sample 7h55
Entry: 1h07
